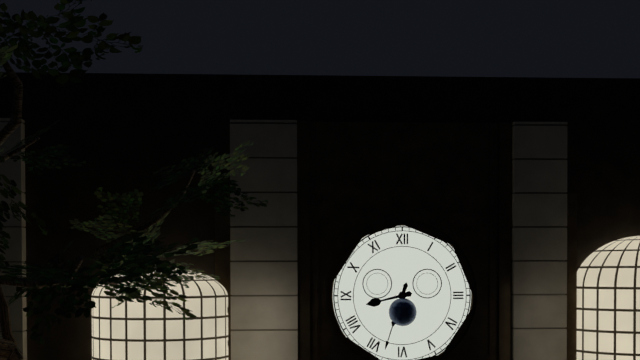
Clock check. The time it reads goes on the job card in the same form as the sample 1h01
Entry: 8h33
